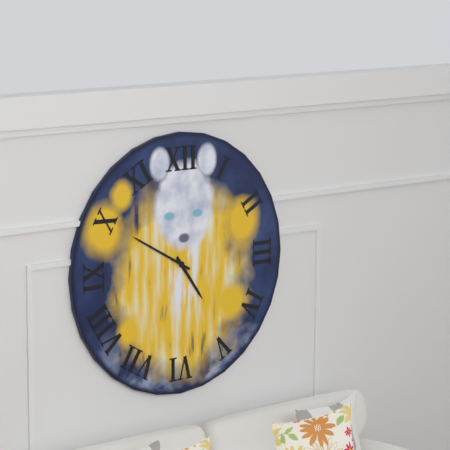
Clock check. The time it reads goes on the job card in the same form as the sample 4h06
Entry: 4h50
